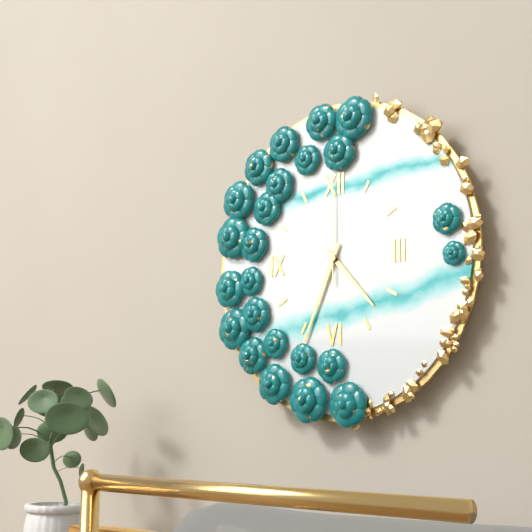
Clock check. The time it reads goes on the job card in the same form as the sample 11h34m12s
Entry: 4h34m00s
